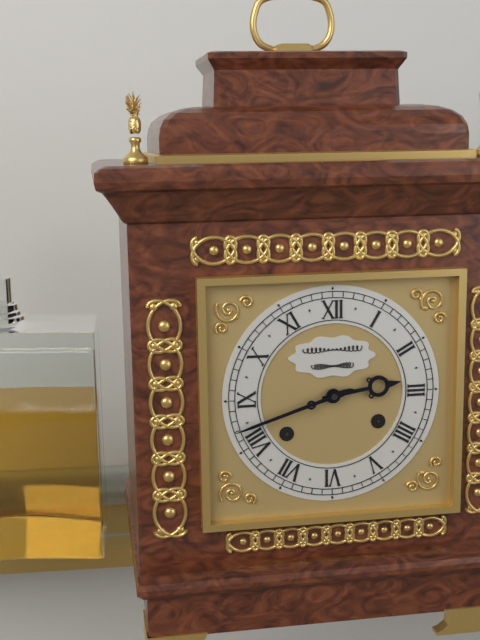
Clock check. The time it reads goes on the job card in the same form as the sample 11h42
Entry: 2h42
